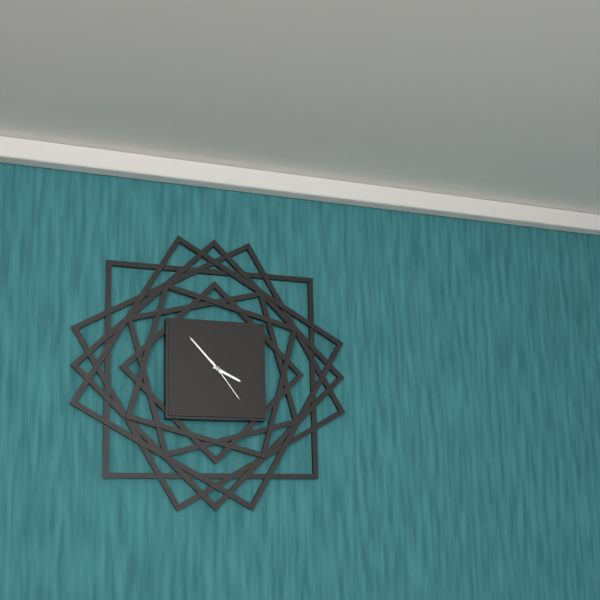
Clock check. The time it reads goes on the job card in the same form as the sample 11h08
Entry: 3h53
